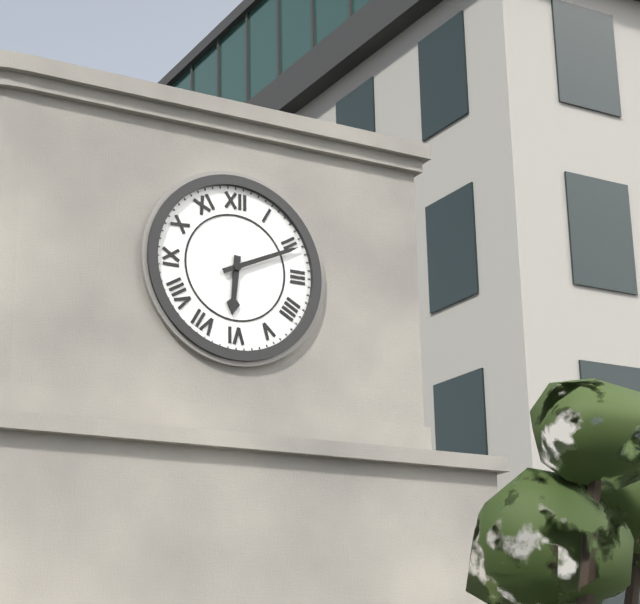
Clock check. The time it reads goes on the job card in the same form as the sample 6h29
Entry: 6h11
